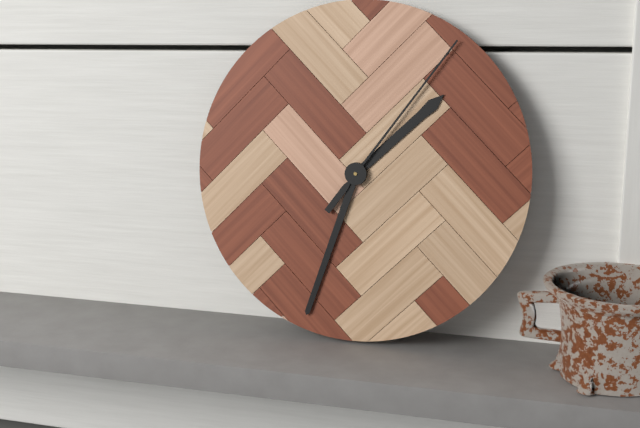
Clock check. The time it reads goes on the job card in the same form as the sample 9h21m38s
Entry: 1h33m06s
